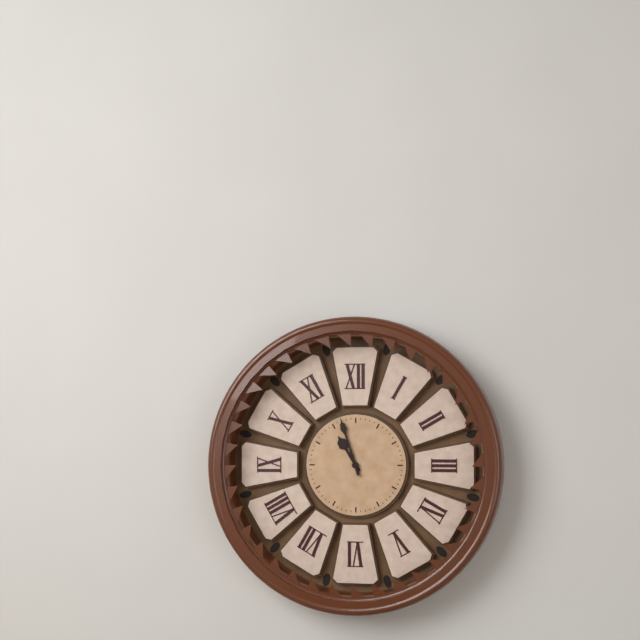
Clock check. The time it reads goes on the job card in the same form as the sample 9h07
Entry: 10h57
